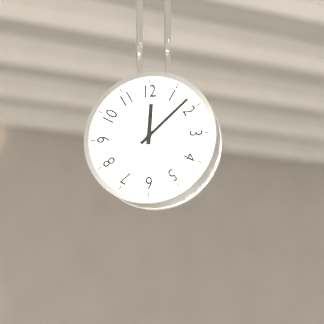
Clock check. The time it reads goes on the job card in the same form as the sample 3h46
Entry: 12h08
